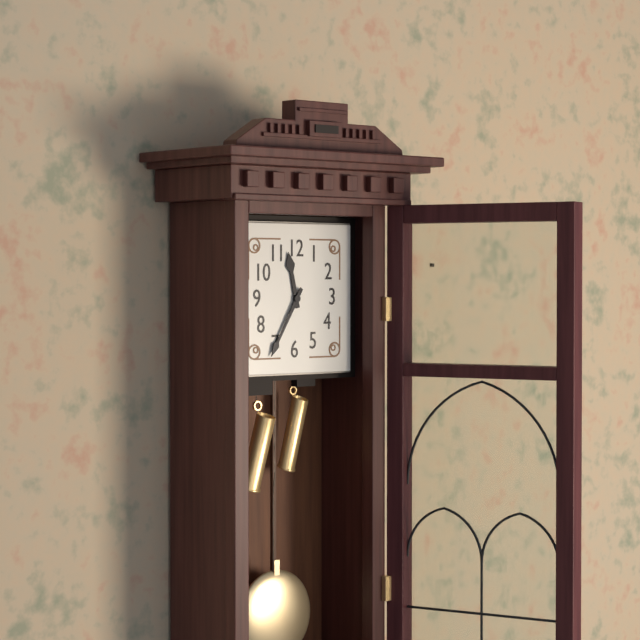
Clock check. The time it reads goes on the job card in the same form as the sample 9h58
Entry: 11h35
